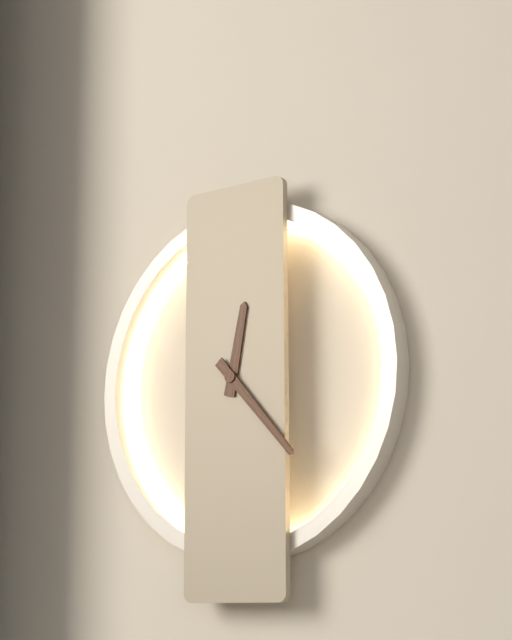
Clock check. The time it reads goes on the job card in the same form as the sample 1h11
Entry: 12h23
